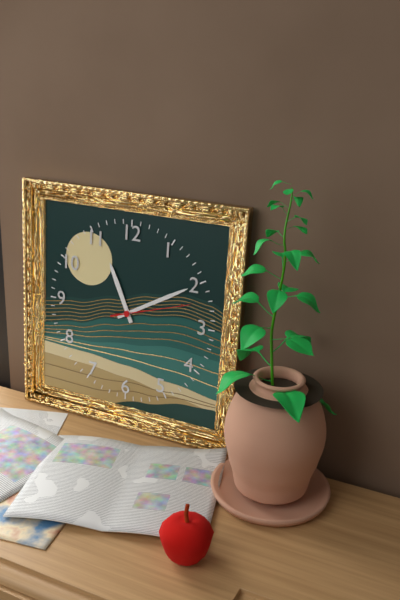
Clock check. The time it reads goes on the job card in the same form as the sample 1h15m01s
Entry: 11h10m12s
